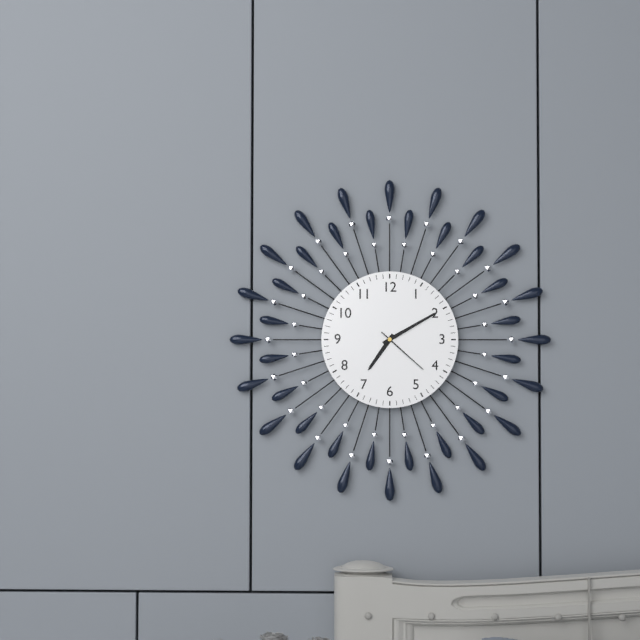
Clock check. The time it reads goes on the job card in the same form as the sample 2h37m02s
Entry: 7h10m22s
